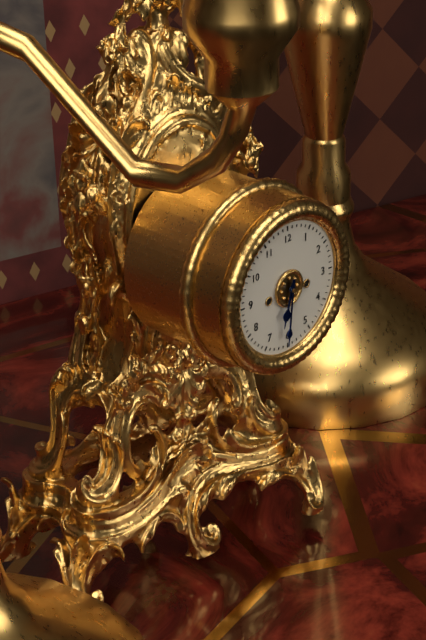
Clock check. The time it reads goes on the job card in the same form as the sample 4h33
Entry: 6h31
